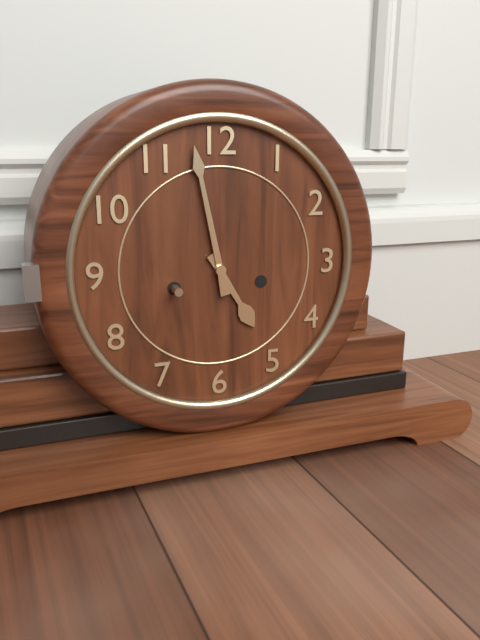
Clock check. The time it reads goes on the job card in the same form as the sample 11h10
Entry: 4h58
